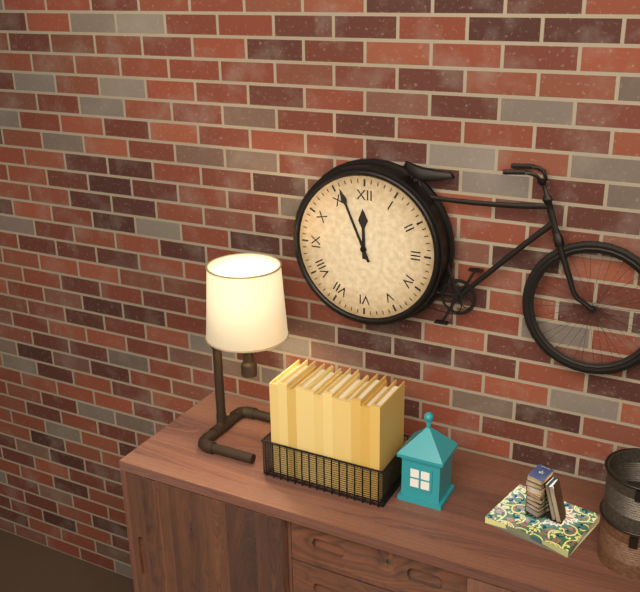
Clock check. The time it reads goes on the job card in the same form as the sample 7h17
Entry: 11h56
